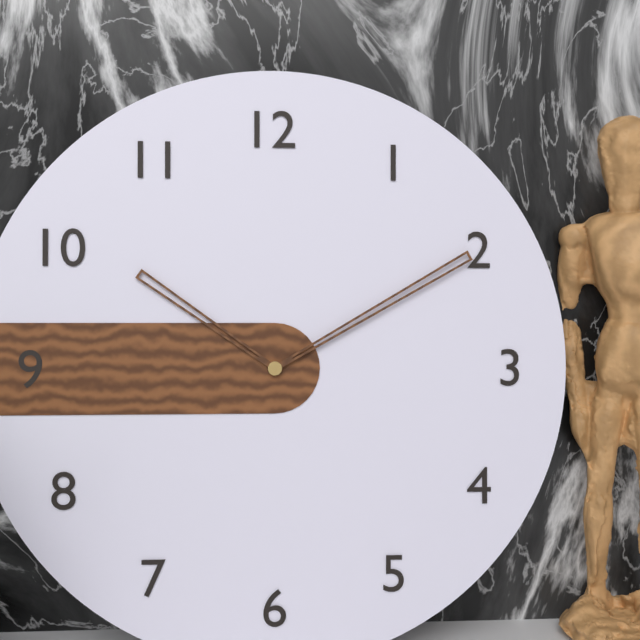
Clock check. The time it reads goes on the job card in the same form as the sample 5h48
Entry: 10h10
